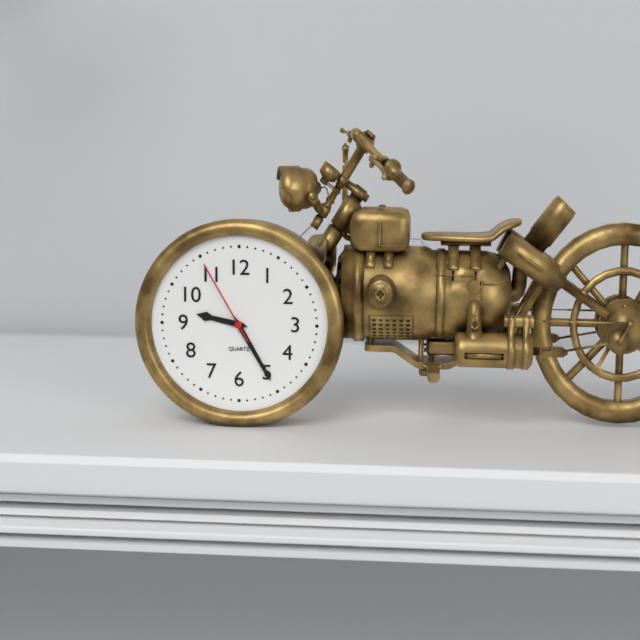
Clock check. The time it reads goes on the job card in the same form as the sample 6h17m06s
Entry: 9h25m55s
